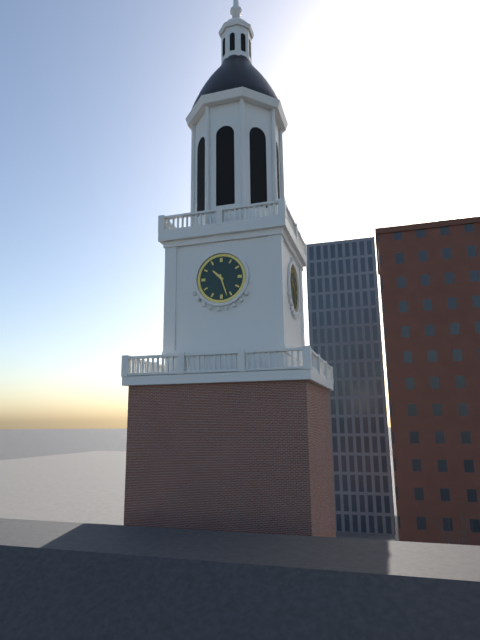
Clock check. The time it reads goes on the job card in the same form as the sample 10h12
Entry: 10h27
